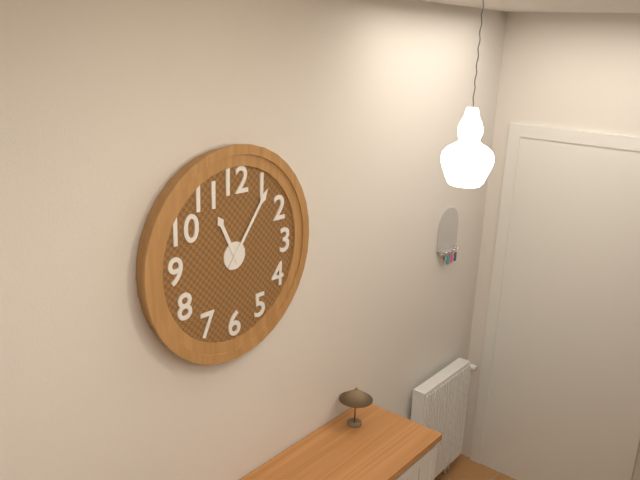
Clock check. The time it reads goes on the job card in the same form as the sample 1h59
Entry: 11h06
